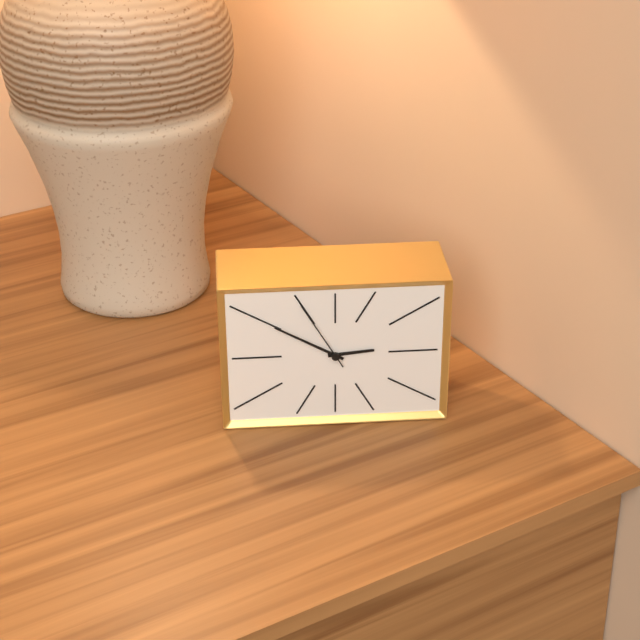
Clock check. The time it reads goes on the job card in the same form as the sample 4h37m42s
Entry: 2h50m55s
